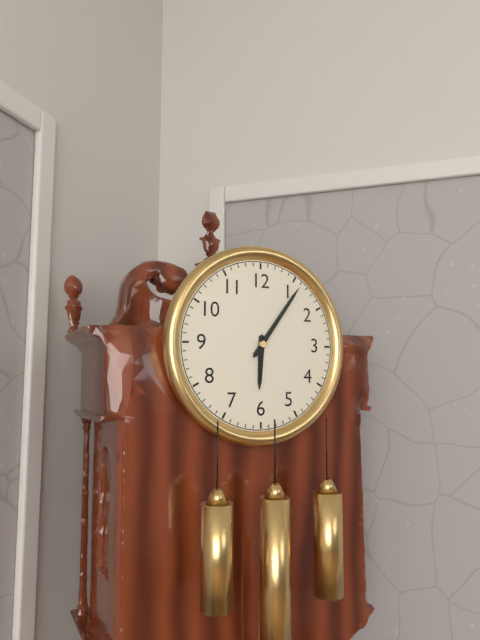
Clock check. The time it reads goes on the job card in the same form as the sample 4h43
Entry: 6h06
